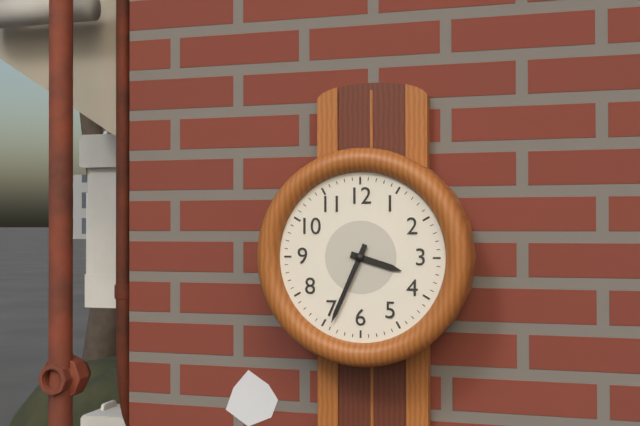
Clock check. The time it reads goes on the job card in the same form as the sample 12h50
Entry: 3h34
